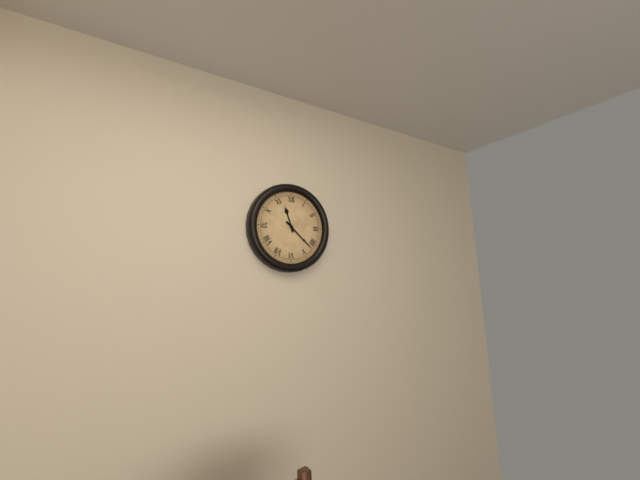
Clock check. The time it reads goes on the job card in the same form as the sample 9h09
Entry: 11h22
